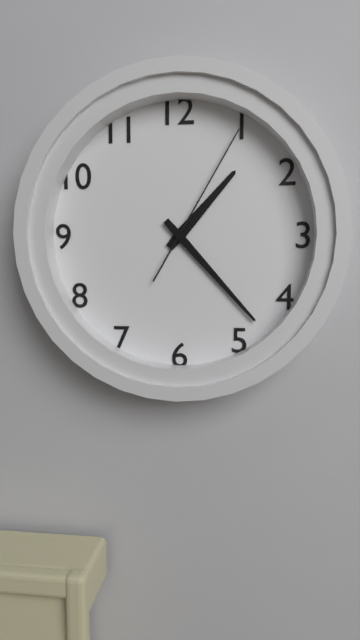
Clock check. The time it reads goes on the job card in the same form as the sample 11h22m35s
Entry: 1h23m05s
